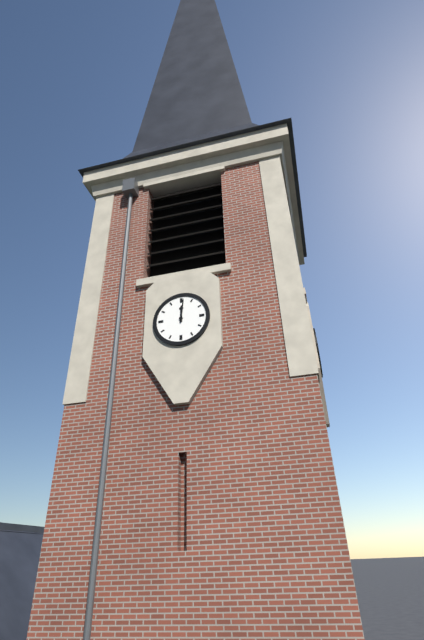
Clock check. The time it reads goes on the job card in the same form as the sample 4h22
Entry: 12h01
